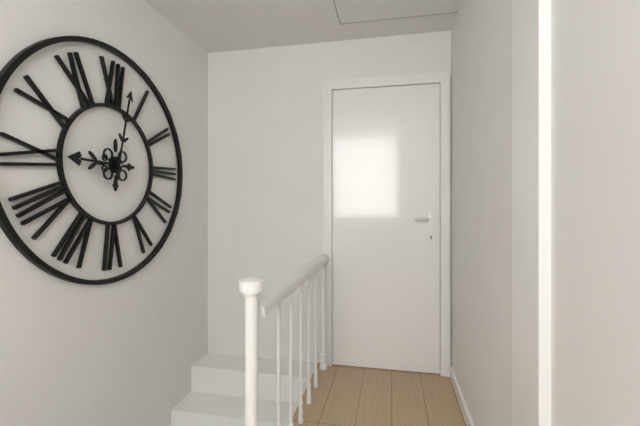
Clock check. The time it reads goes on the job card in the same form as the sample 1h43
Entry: 9h02
